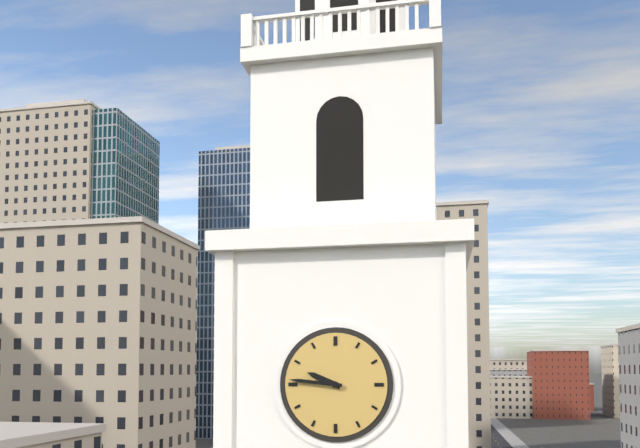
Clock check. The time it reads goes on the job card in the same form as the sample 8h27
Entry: 9h46
